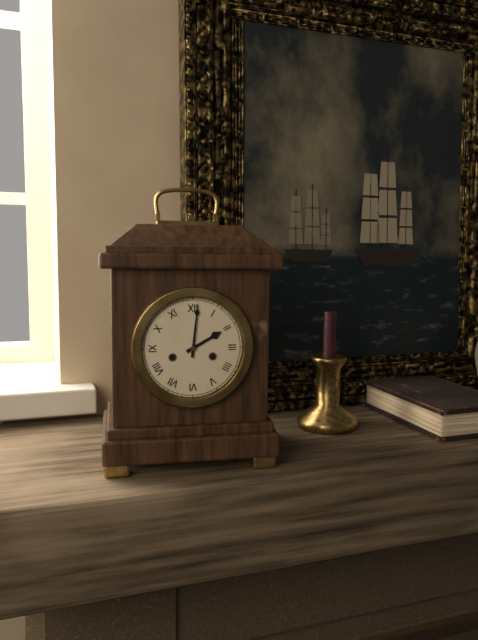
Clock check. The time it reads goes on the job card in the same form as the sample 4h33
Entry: 2h01
